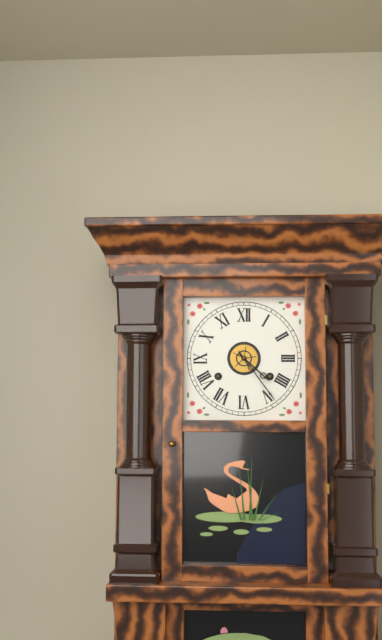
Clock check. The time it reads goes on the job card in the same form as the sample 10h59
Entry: 4h24
